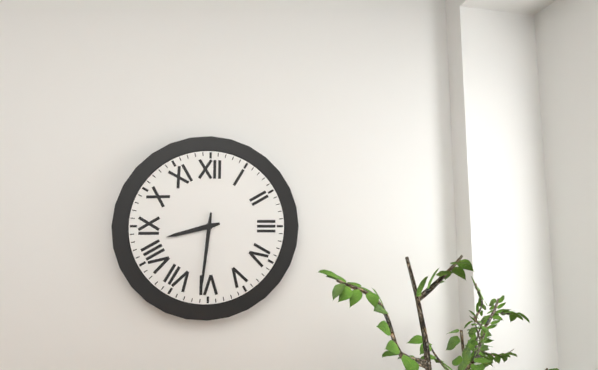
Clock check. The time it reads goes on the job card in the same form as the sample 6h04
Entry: 8h31
